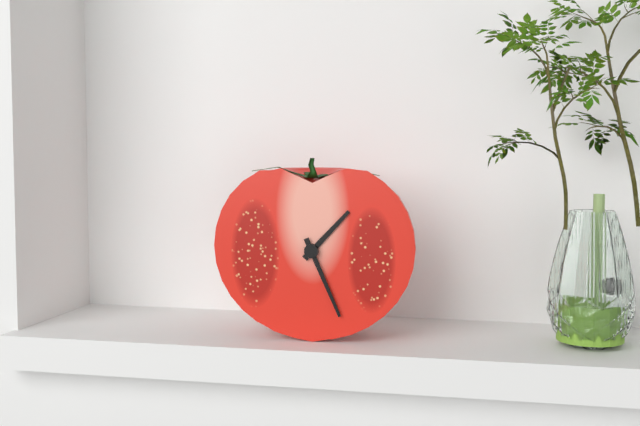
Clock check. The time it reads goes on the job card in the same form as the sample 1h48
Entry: 1h26
